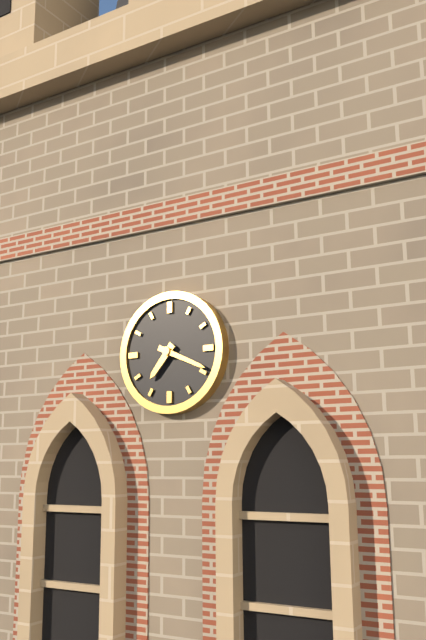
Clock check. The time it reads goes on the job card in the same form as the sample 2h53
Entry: 7h19
